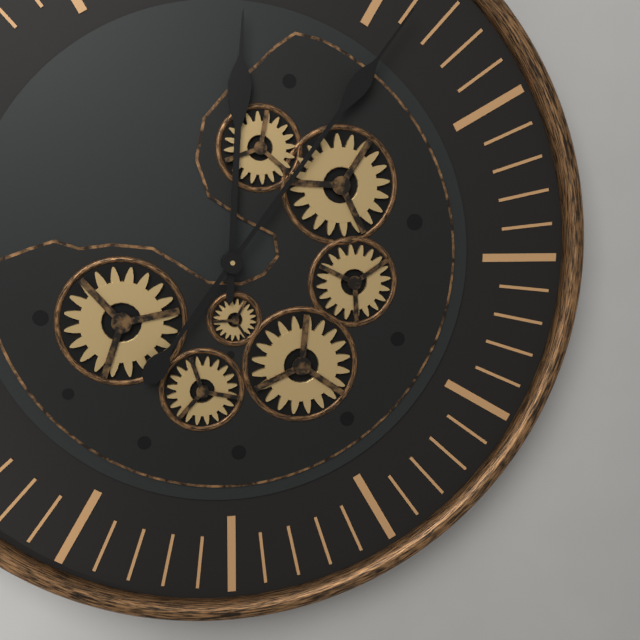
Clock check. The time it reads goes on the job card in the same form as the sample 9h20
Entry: 12h06
